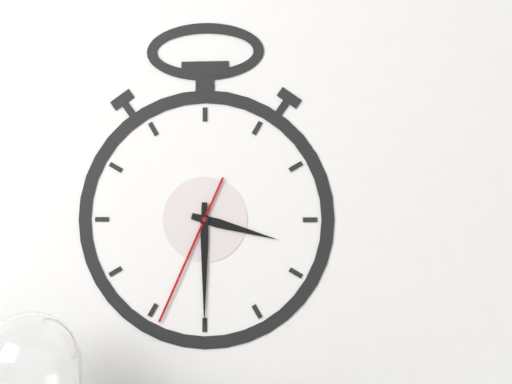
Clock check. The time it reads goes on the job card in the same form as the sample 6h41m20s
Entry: 3h30m34s
